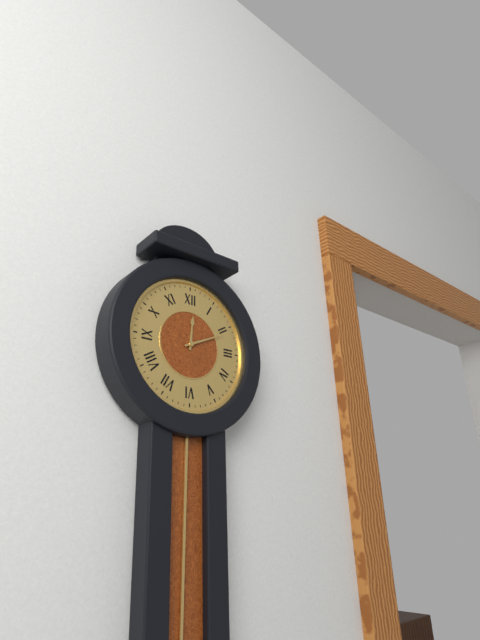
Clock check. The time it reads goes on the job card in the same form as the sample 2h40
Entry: 12h11
